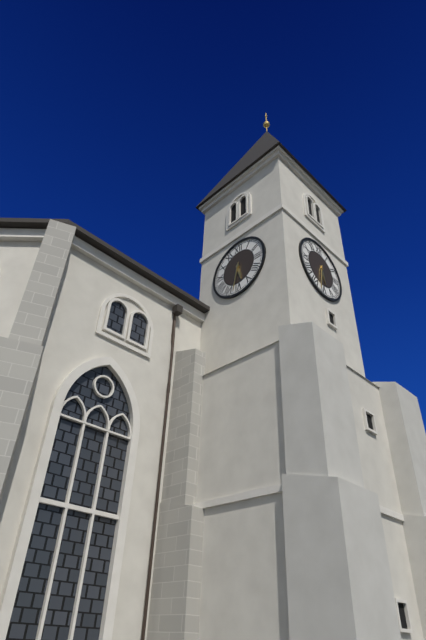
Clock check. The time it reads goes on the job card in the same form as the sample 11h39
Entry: 5h32
